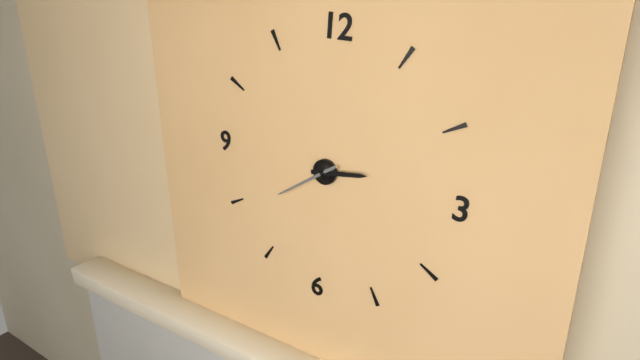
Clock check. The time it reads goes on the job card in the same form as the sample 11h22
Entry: 2h39
